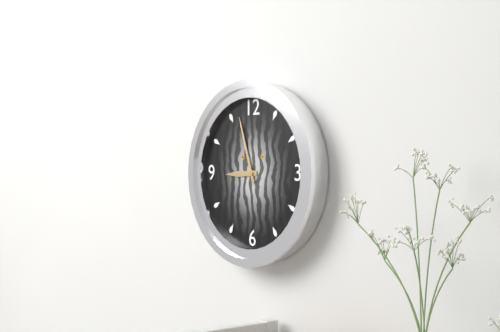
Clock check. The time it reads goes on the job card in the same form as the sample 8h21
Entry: 8h57
